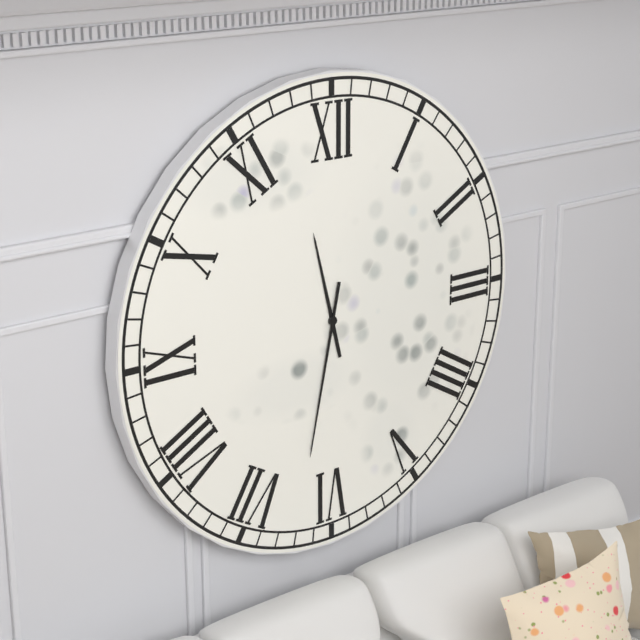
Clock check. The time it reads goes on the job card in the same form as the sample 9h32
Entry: 11h32
